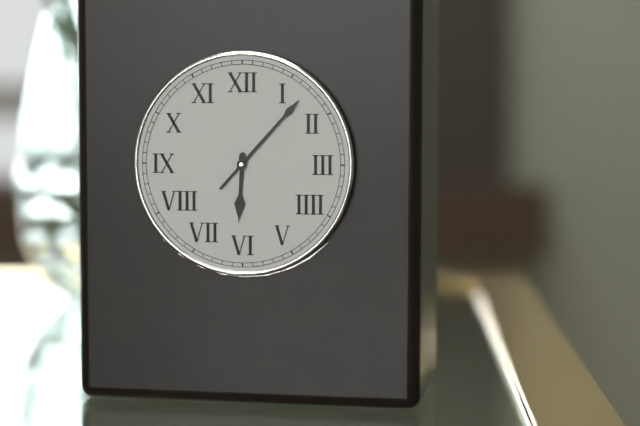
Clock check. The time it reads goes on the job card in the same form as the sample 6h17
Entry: 6h07
